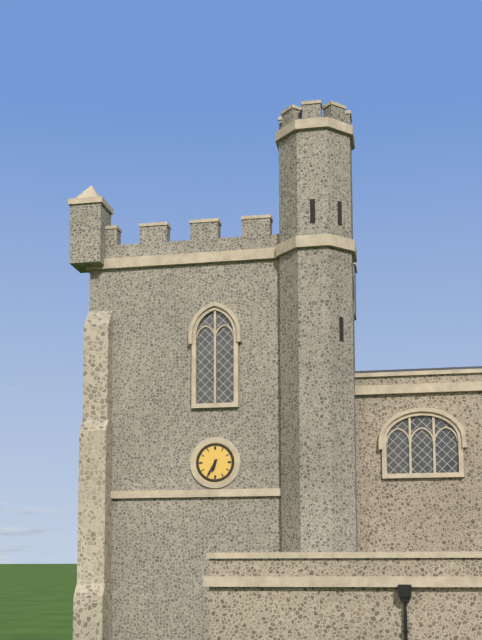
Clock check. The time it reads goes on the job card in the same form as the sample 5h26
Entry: 6h35
